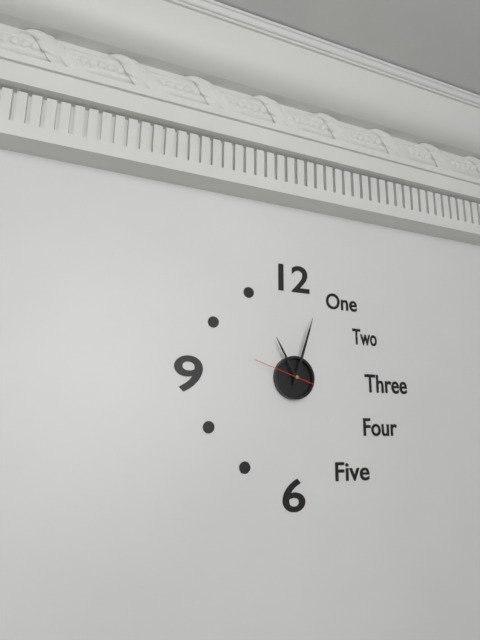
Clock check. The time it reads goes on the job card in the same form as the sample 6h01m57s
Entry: 11h03m48s
